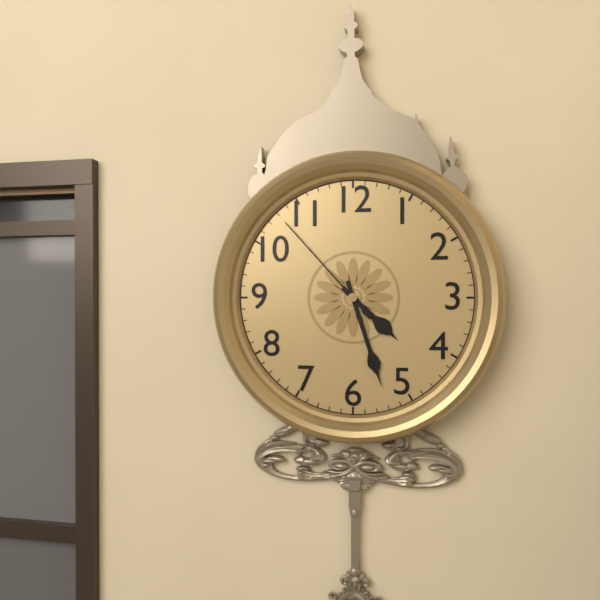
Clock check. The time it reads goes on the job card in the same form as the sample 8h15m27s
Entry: 4h27m53s
